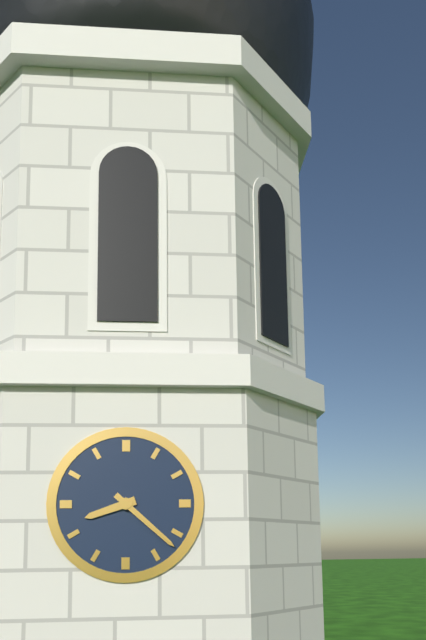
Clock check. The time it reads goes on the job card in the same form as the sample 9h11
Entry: 8h22
